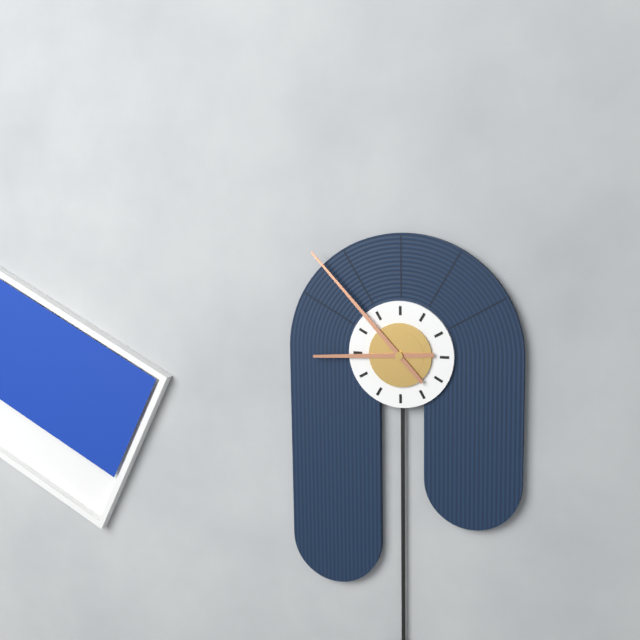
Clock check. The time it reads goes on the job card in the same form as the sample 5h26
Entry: 8h53
